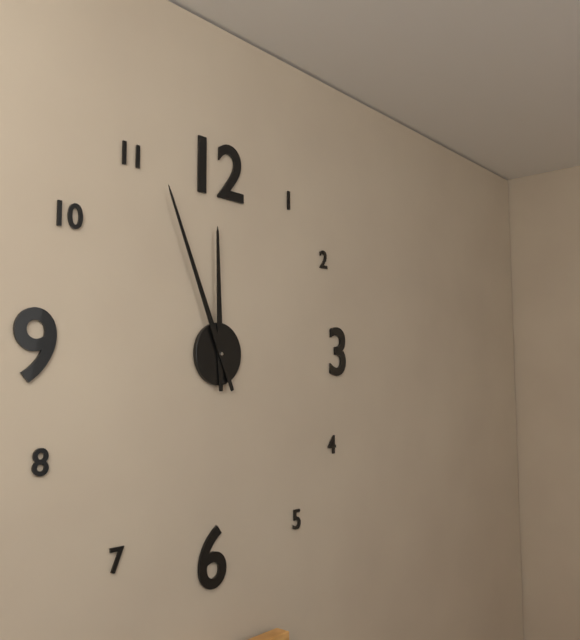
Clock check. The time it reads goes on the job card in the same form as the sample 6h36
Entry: 11h56
